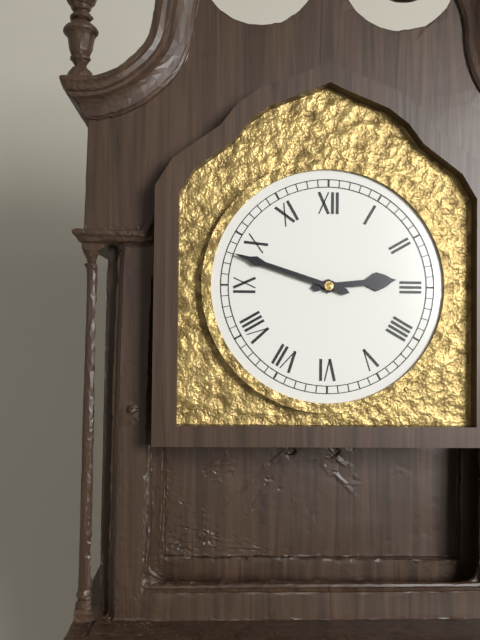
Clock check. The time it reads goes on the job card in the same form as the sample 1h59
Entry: 2h48
